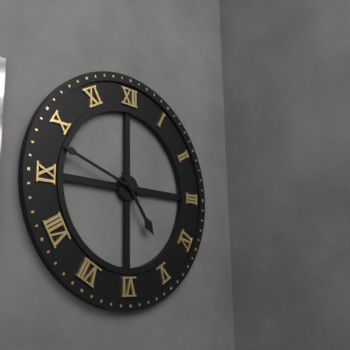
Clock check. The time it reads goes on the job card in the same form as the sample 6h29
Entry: 4h48
